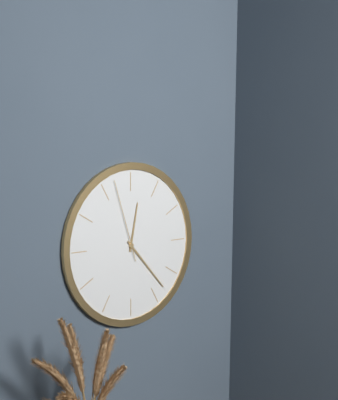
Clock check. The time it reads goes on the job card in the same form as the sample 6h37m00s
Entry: 12h23m57s
